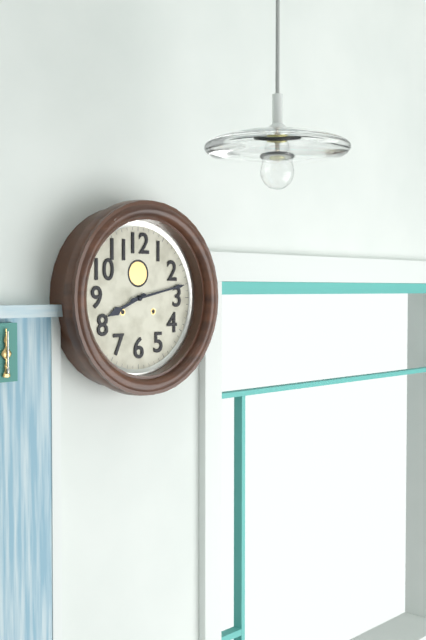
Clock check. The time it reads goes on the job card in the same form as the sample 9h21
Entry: 8h13
